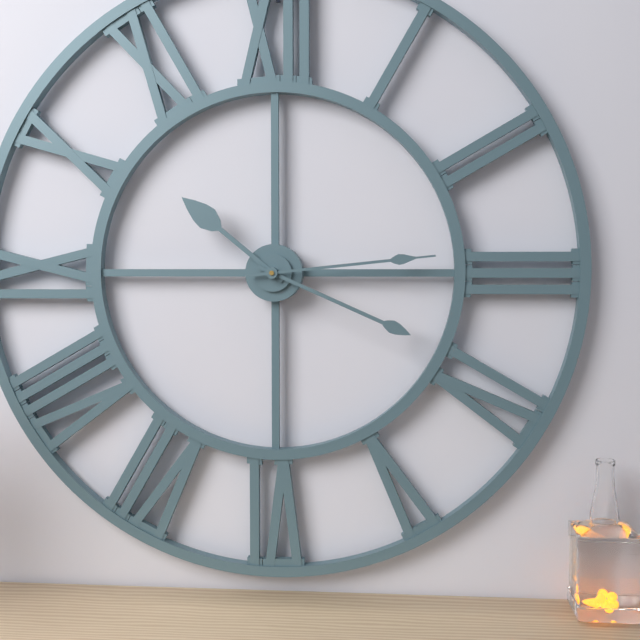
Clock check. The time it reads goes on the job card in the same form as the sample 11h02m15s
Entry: 10h19m14s
